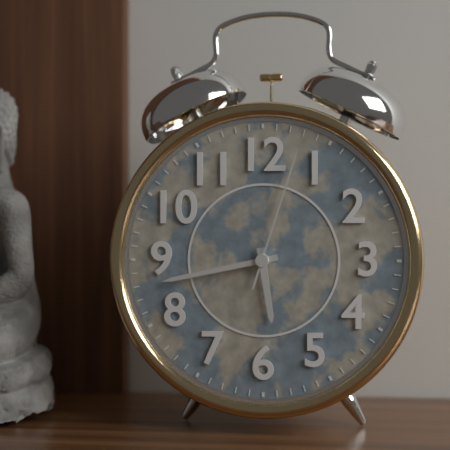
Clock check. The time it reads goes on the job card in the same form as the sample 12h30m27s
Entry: 5h43m03s
